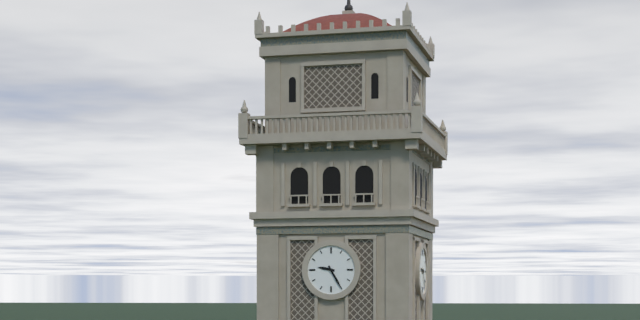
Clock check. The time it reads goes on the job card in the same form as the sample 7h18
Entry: 9h25
